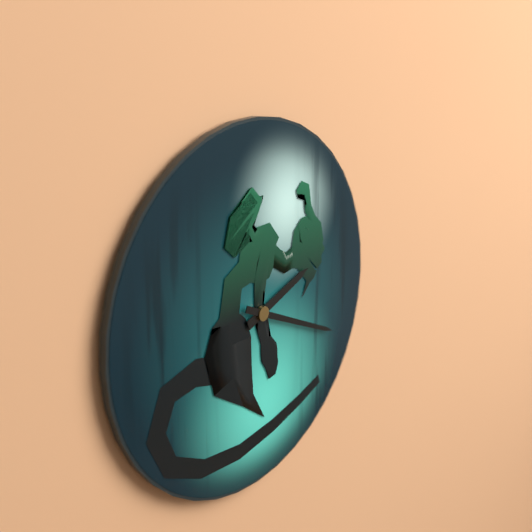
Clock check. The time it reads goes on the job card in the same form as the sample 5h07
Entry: 2h19
